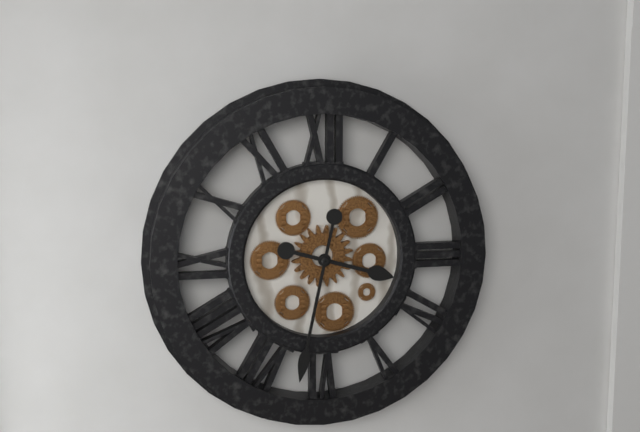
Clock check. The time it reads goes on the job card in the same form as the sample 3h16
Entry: 3h32
